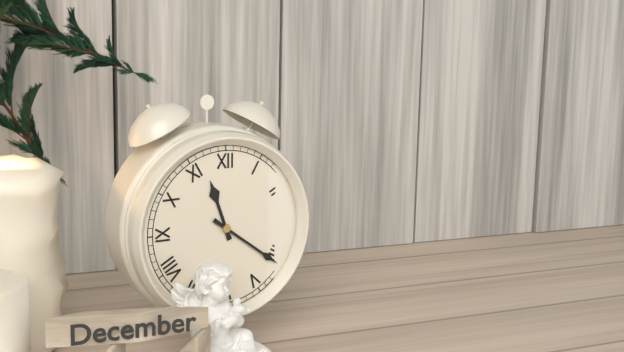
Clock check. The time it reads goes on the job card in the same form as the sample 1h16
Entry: 11h21
